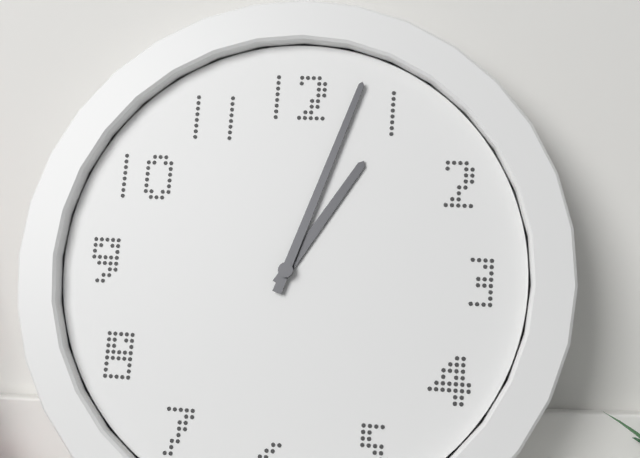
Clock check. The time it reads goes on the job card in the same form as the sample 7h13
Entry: 1h03
